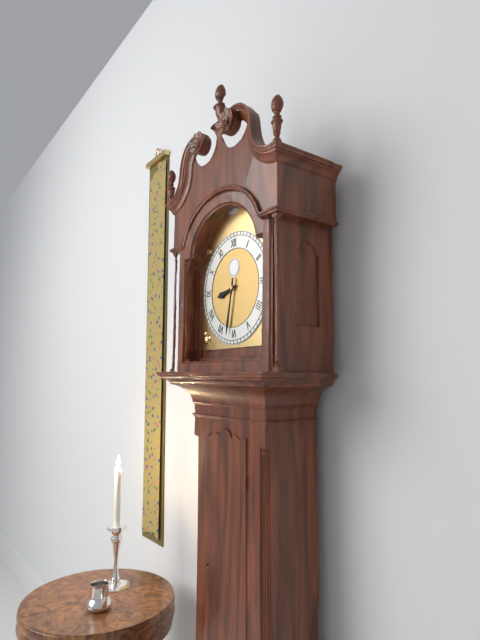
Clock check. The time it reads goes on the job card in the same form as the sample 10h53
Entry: 8h32
